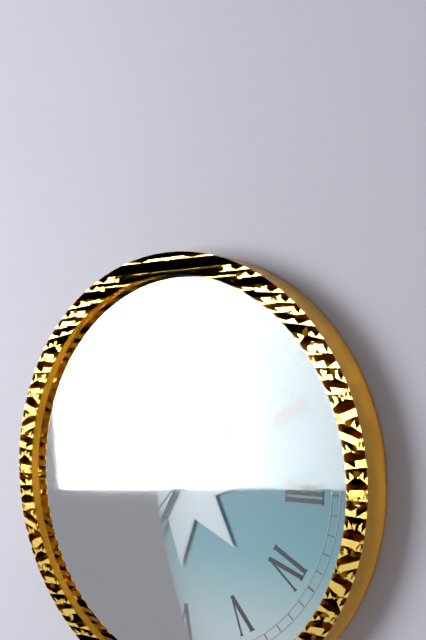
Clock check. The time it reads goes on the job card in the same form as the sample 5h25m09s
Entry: 8h35m37s
